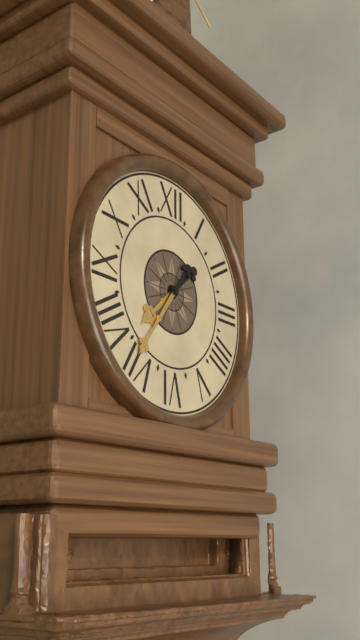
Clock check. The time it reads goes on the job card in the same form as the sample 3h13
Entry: 7h36
